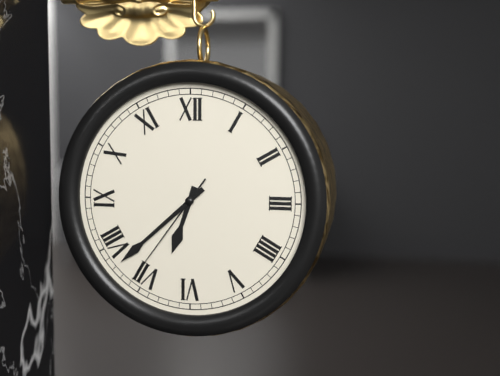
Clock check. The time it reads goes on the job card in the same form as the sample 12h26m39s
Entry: 6h38m36s
